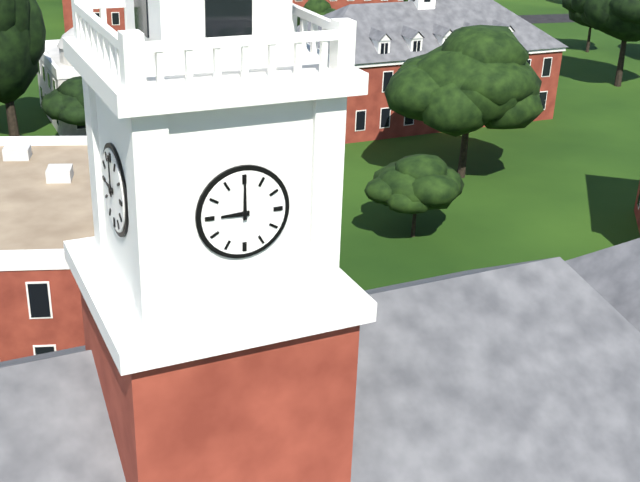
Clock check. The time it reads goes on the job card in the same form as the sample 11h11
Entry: 9h00
